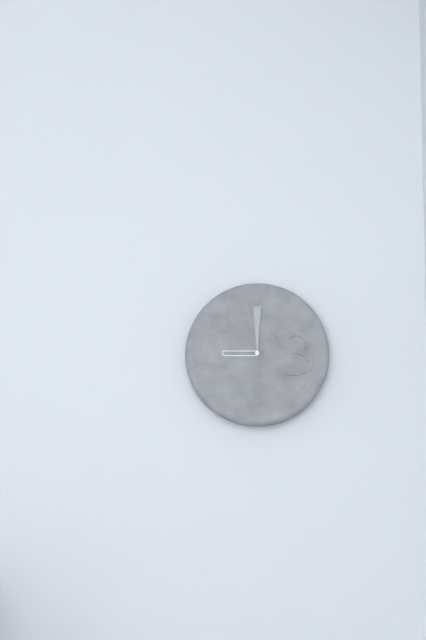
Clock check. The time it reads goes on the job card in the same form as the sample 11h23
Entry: 9h00
